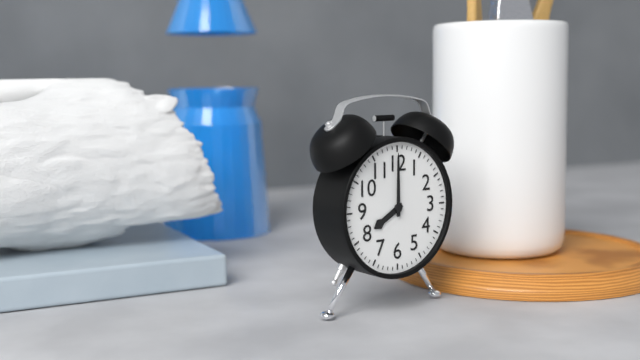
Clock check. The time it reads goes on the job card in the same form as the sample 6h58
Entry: 8h00
